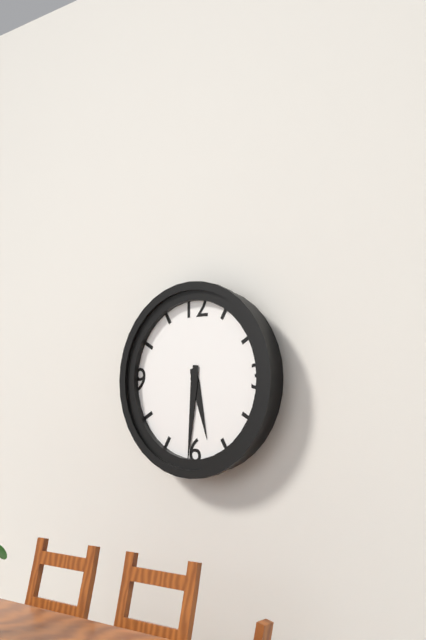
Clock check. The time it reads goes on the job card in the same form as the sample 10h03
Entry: 5h31
